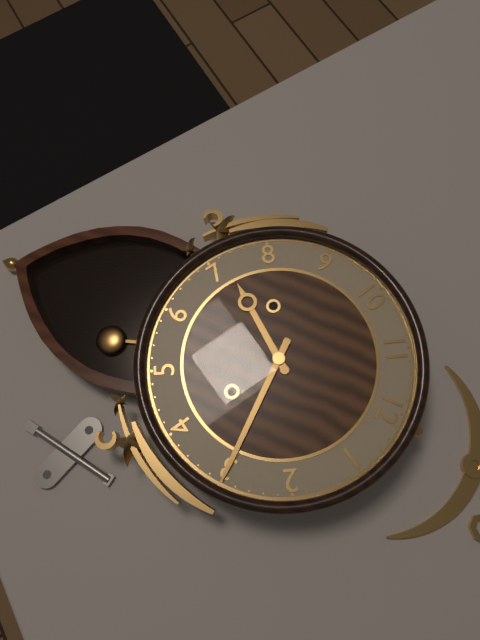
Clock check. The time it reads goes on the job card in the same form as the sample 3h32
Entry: 7h15
